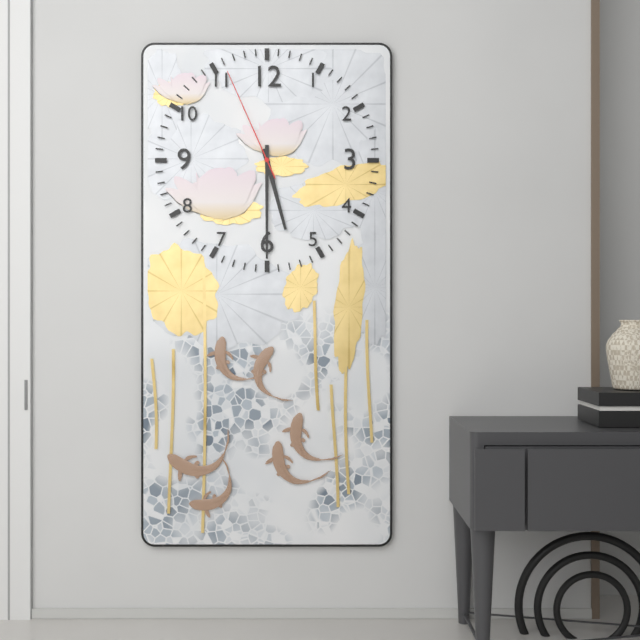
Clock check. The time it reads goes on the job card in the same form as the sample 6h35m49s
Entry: 5h30m56s
